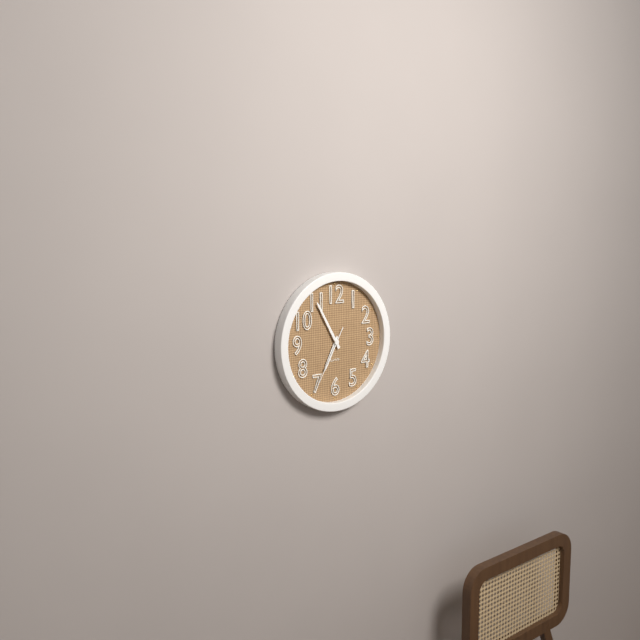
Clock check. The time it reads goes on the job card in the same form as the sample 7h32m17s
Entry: 6h55m35s
